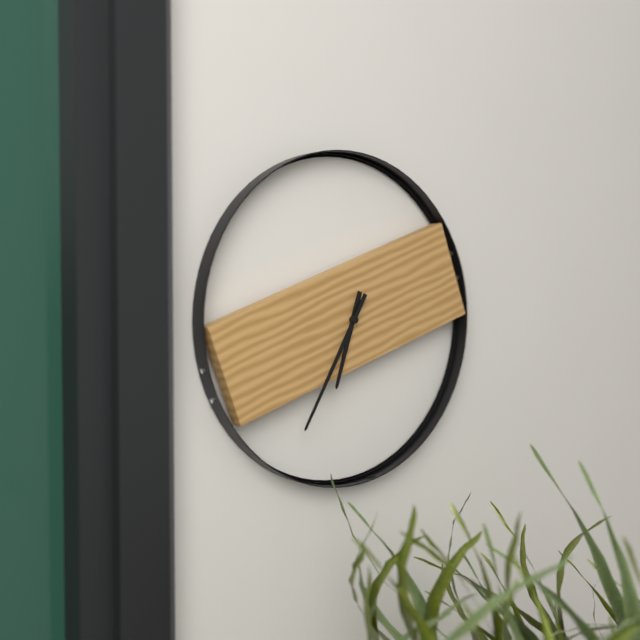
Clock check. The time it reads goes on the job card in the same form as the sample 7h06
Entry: 6h35
